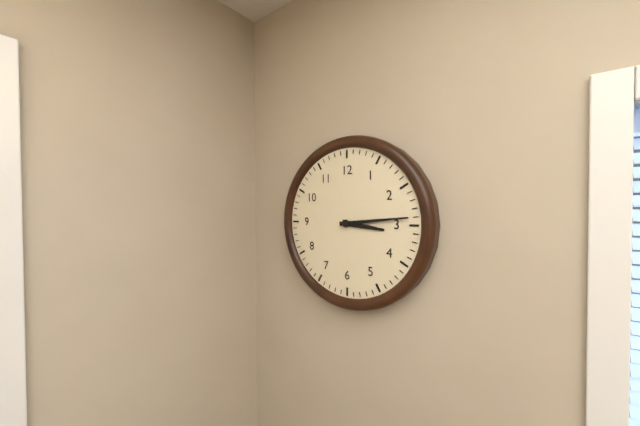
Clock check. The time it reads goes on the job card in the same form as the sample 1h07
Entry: 3h14
